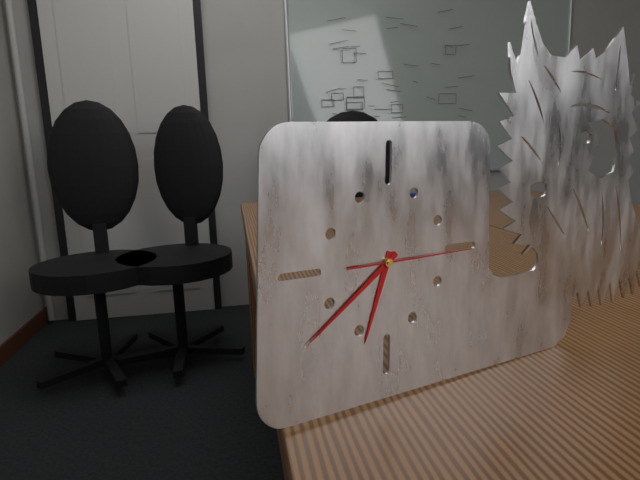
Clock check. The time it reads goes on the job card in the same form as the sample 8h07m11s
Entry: 6h39m15s
